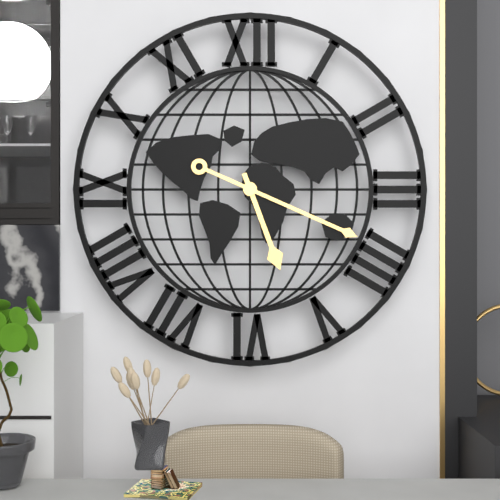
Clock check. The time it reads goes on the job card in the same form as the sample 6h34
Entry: 5h19
